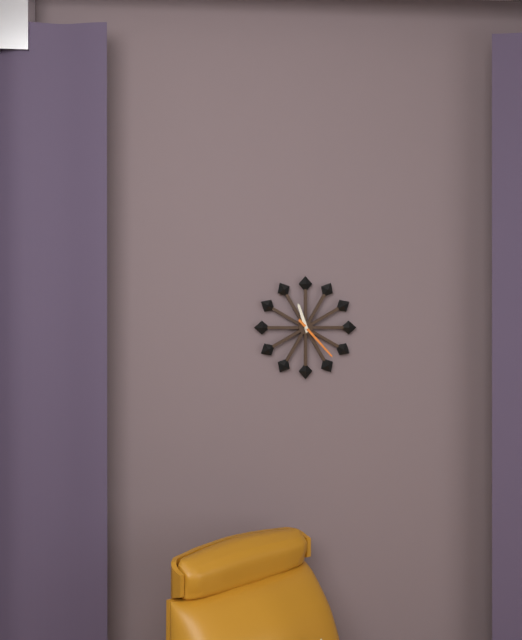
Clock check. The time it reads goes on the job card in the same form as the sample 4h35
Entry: 11h23
